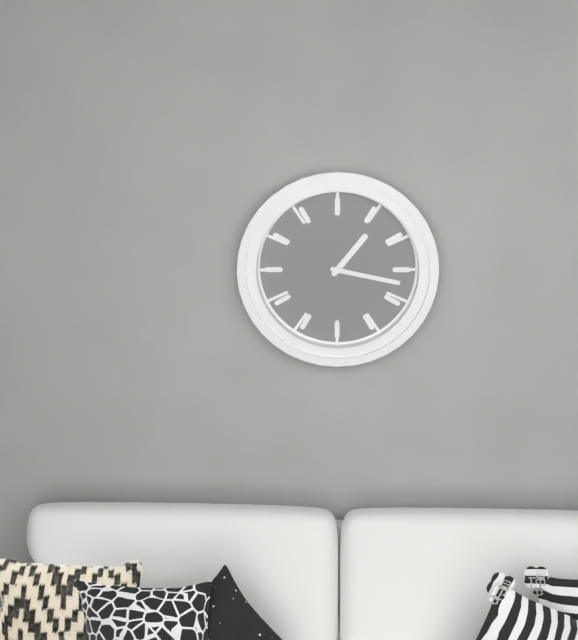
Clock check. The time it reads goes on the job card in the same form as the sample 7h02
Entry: 1h17
